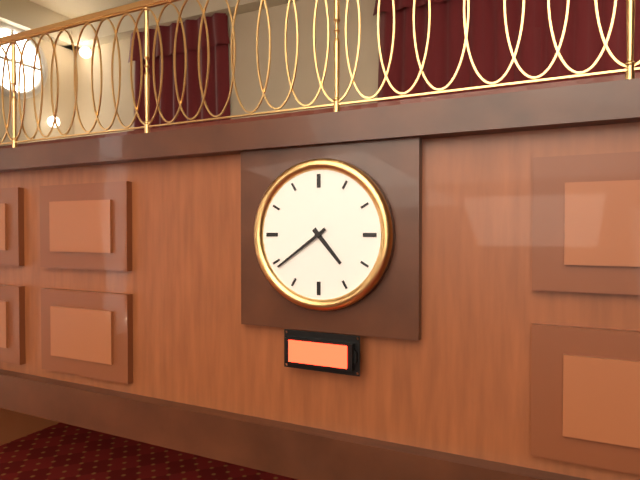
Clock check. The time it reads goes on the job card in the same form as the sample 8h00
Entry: 4h39
